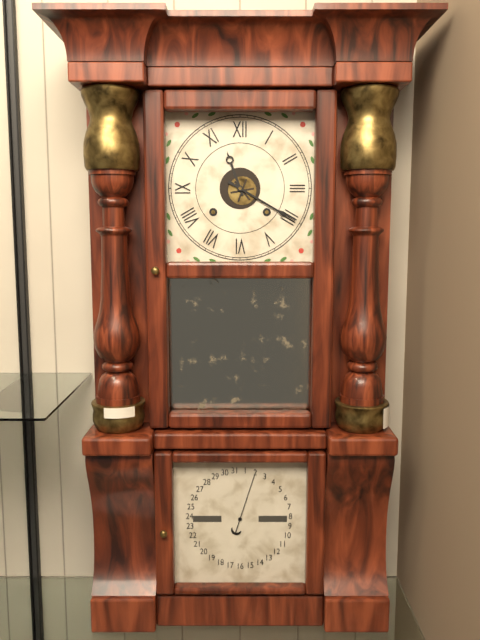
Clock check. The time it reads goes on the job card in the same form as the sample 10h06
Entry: 11h20
